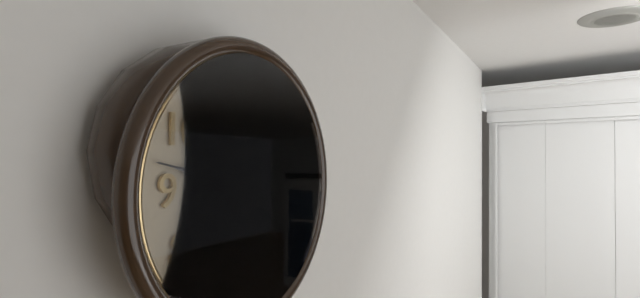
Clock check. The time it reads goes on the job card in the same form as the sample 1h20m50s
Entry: 6h47m47s
